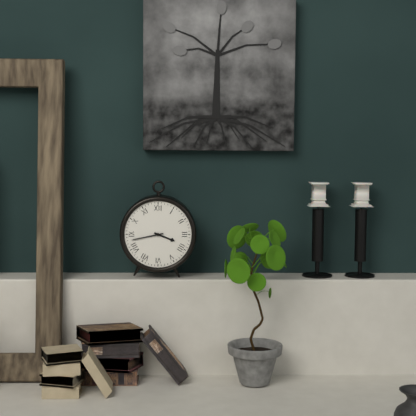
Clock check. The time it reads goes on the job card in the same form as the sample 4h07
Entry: 3h43
